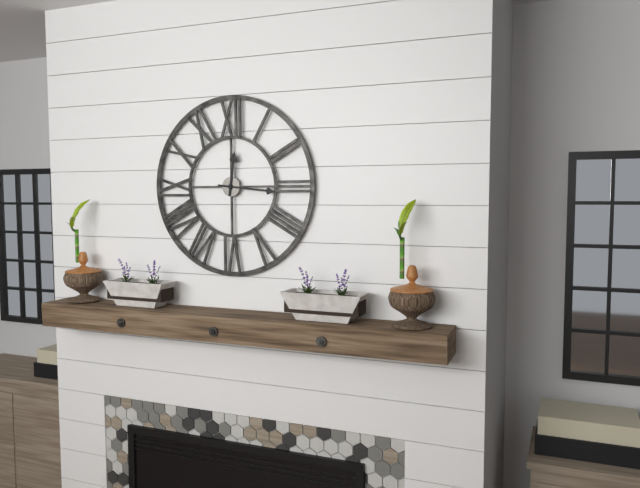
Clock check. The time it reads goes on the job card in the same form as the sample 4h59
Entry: 12h16
